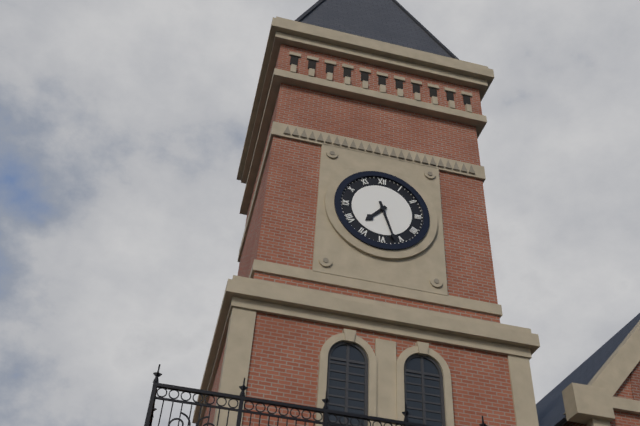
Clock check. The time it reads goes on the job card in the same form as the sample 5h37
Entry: 7h27
